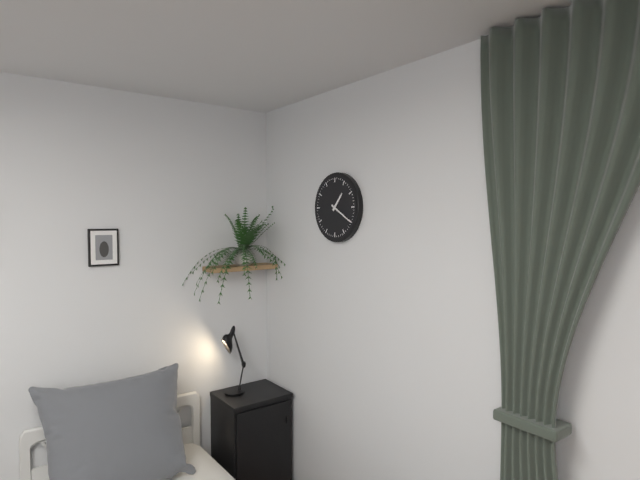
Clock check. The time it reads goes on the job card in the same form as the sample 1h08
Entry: 1h20
